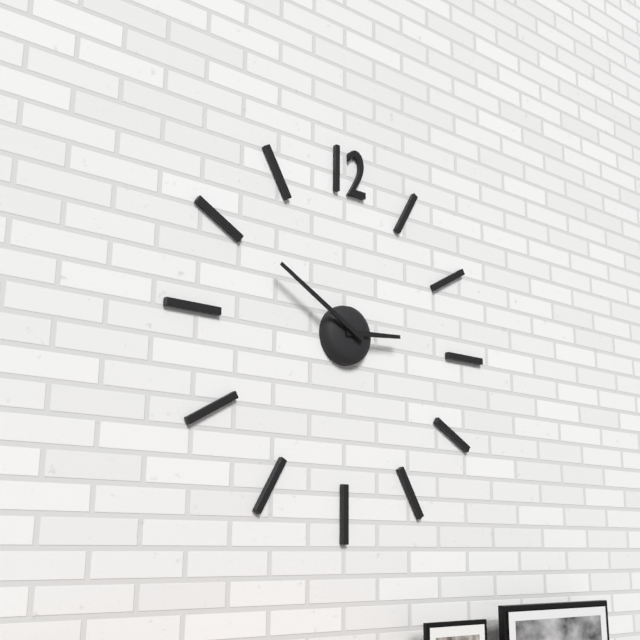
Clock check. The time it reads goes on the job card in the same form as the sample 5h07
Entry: 2h50
